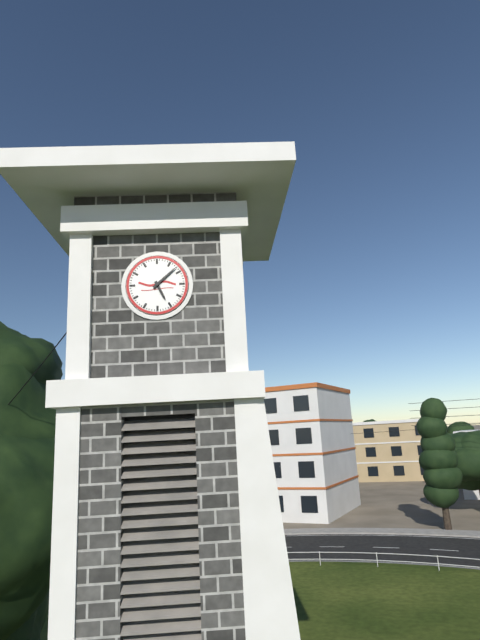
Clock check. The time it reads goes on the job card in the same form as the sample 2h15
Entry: 5h08
